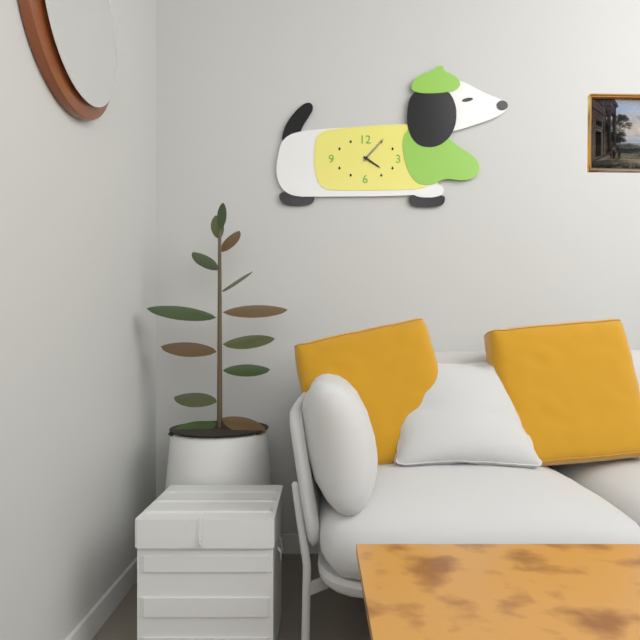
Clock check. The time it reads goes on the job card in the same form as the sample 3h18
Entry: 4h07
